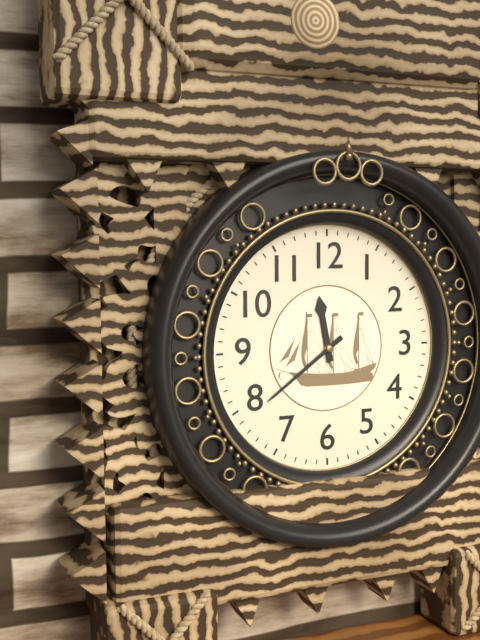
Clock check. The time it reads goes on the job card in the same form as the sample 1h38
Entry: 11h39
